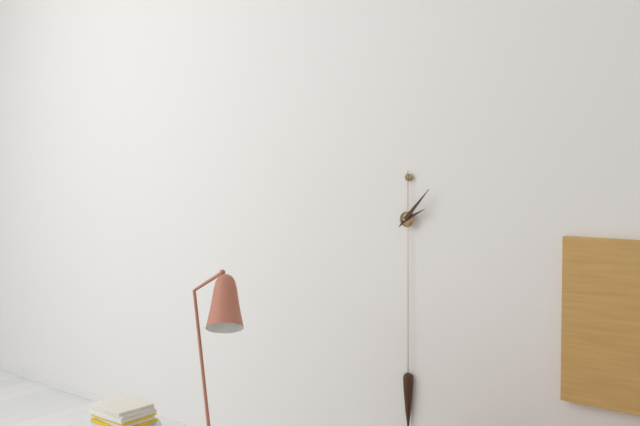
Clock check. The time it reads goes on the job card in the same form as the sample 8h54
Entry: 2h07
